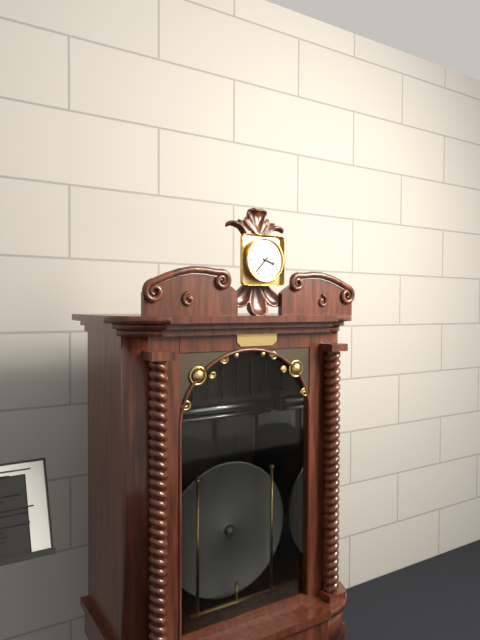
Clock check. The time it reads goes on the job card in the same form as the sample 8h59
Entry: 3h37
